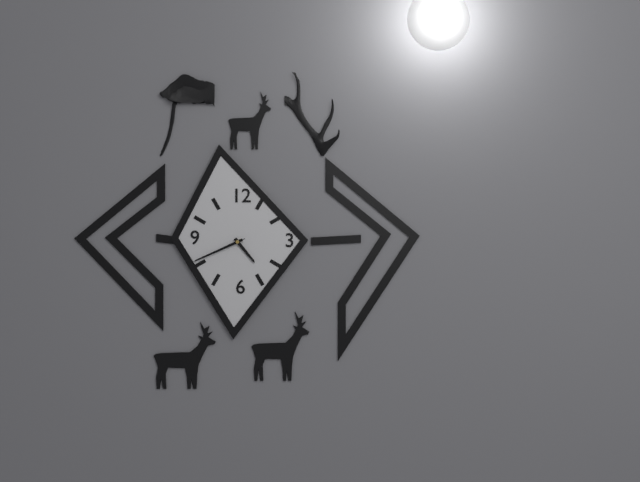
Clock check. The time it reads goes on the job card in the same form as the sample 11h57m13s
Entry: 4h41m41s
